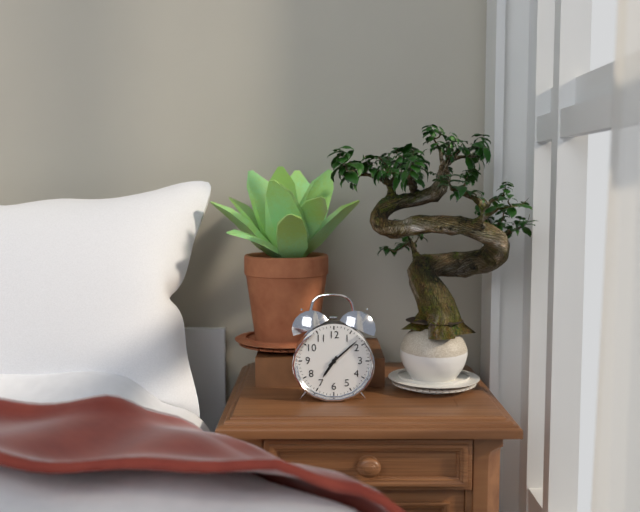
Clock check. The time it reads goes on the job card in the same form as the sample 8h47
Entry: 7h08
